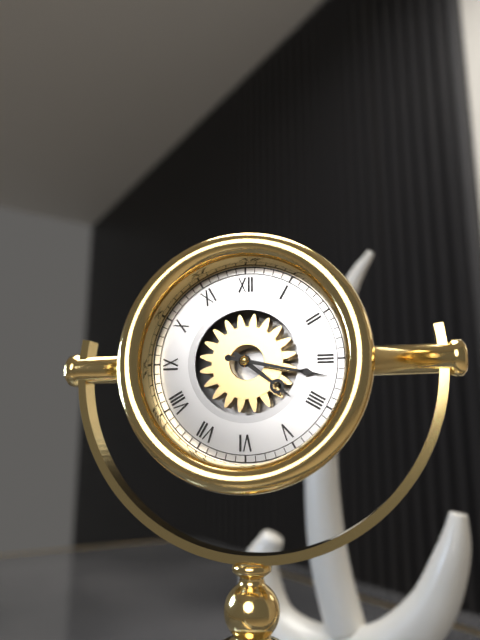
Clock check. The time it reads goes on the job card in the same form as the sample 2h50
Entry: 4h17
